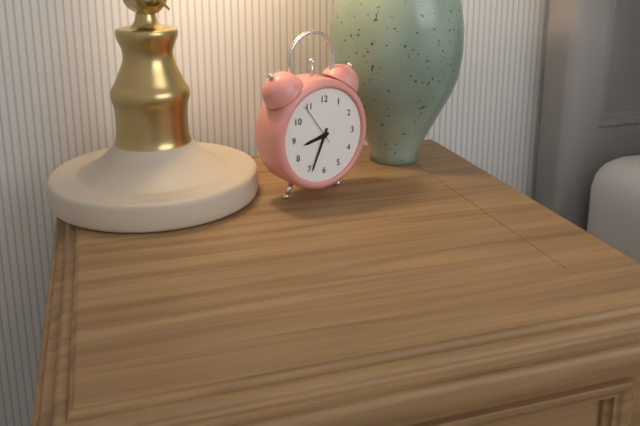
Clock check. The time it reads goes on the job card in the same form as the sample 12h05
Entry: 8h34
